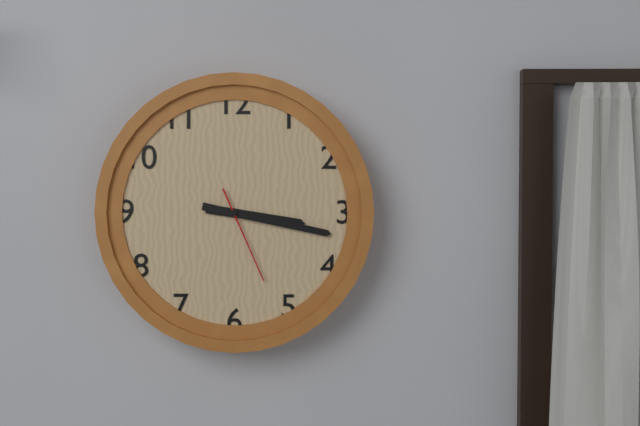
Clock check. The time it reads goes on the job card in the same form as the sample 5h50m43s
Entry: 3h17m26s
